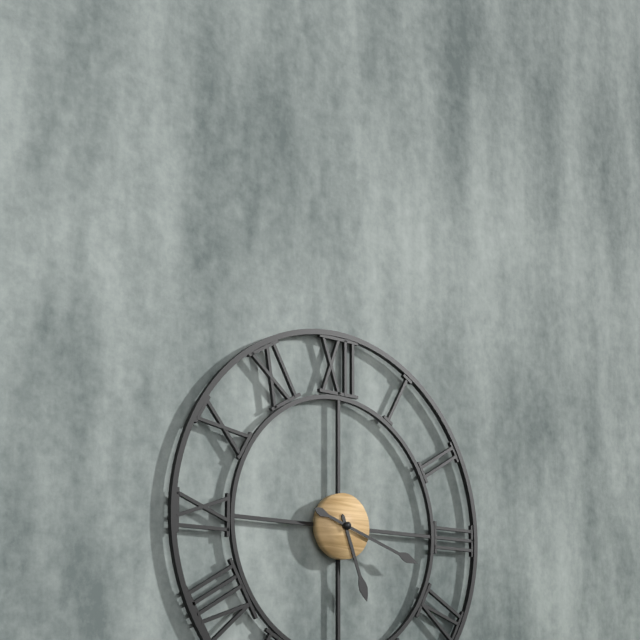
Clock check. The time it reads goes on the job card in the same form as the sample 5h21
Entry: 5h18
